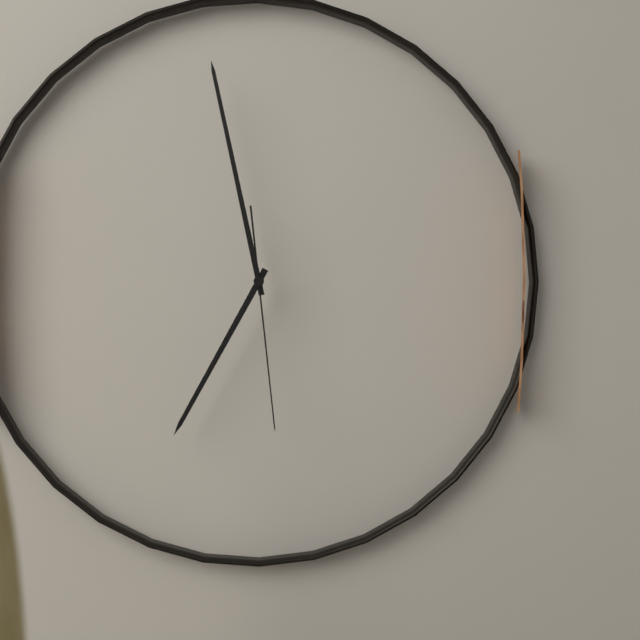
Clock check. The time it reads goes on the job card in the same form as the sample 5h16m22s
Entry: 6h58m29s
